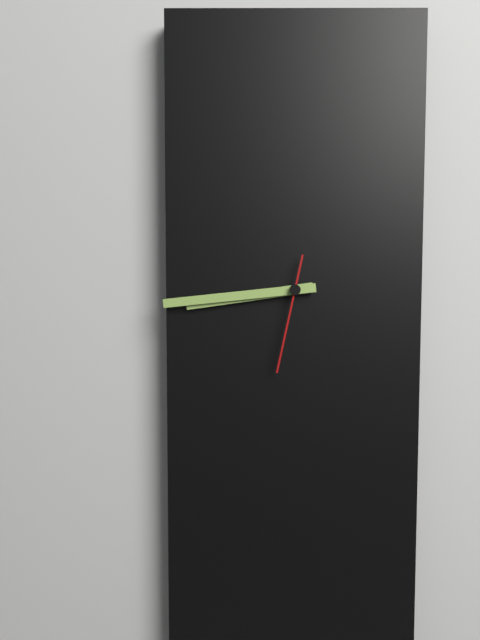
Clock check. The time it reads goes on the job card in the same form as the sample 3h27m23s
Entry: 8h44m32s
